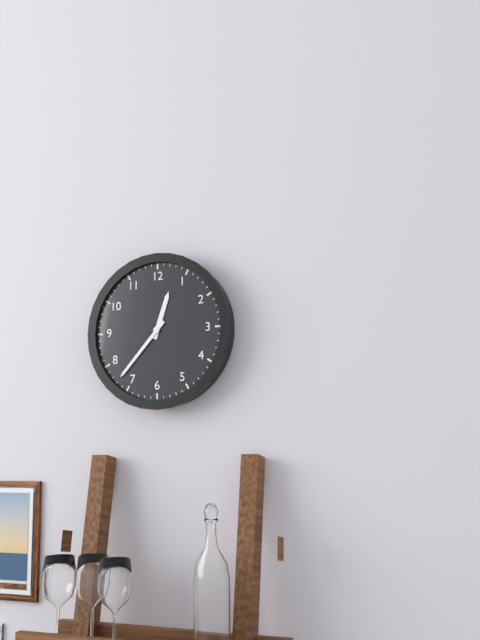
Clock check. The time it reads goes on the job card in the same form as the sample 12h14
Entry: 12h37
